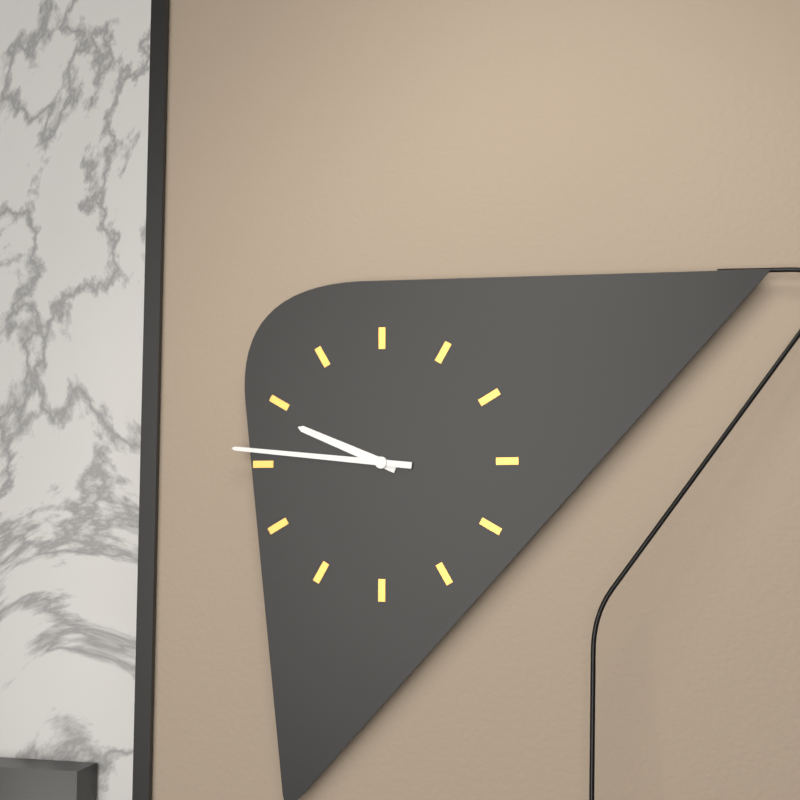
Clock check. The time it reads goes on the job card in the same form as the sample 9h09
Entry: 9h46
